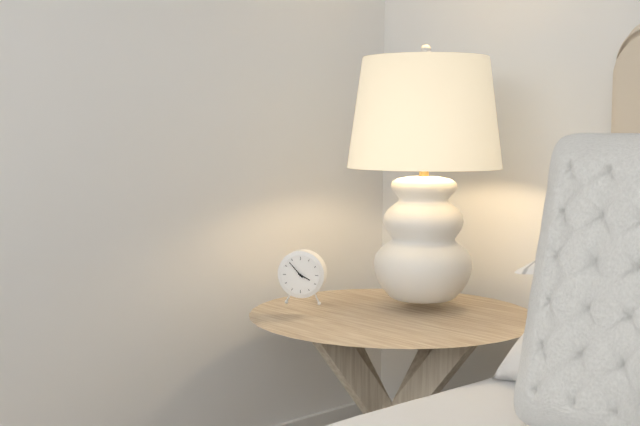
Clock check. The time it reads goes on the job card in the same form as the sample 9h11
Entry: 3h53
